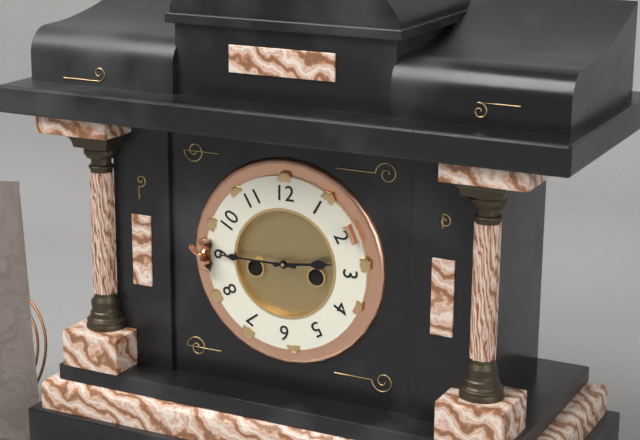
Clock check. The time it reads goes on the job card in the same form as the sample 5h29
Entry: 2h45
